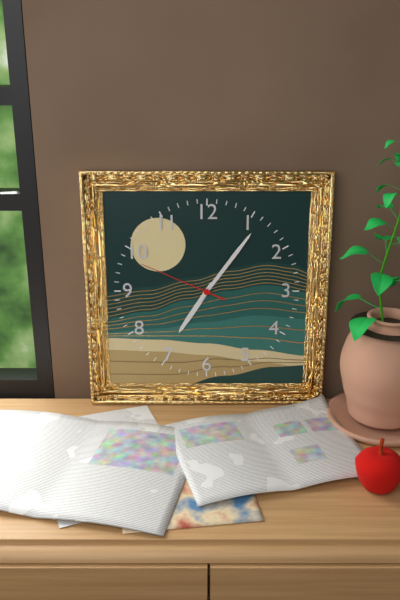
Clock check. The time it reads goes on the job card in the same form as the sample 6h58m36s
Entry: 7h06m49s
